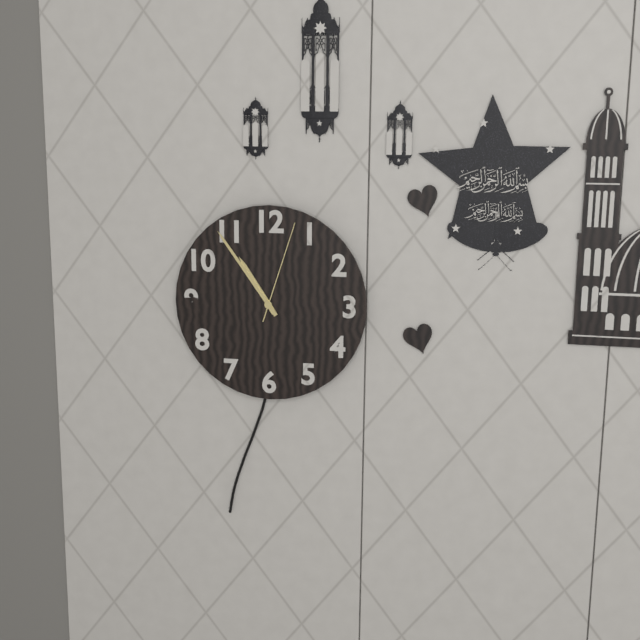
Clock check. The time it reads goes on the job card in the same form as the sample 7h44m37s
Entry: 10h54m03s
